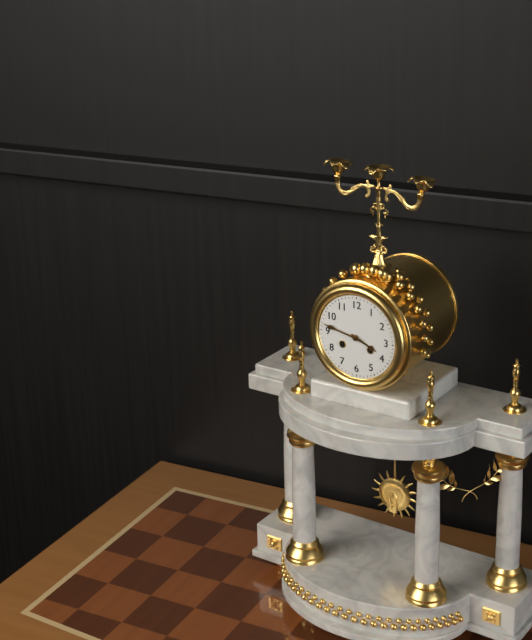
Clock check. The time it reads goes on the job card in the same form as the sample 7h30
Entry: 3h47
